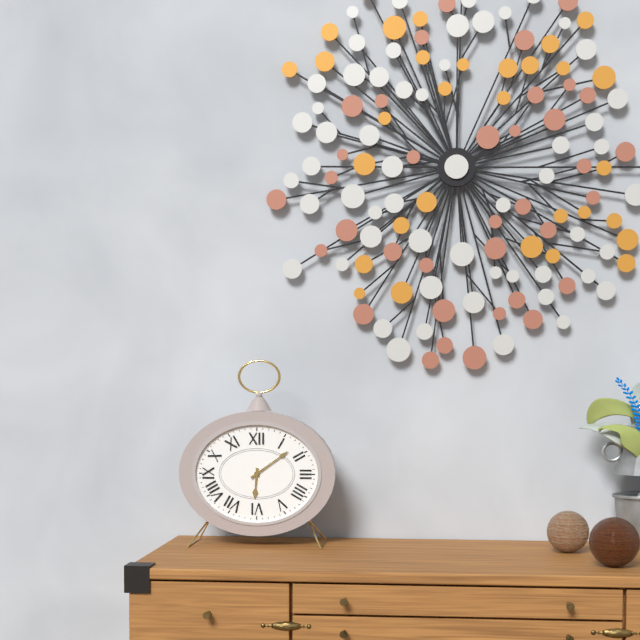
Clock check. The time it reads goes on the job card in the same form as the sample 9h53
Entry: 6h09
